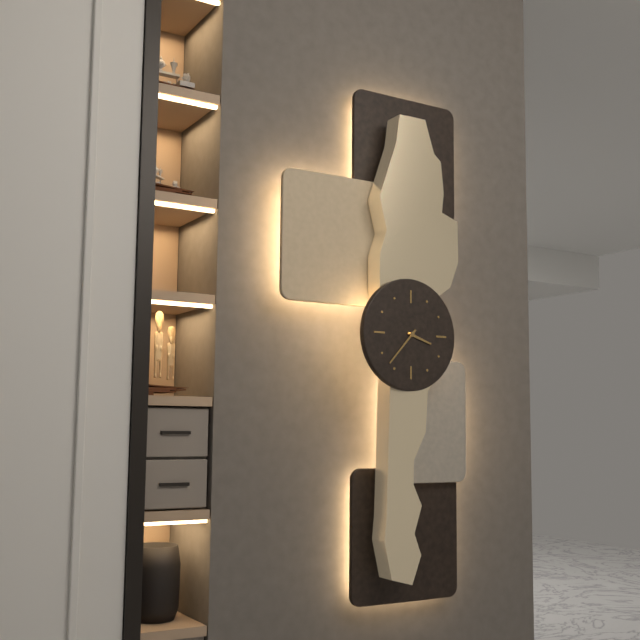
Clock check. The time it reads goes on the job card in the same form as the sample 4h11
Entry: 3h37
